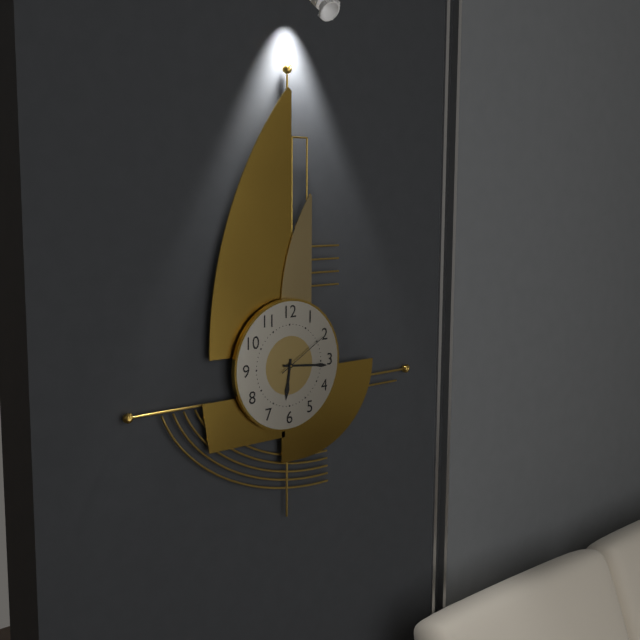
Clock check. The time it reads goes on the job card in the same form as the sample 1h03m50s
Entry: 6h16m10s
